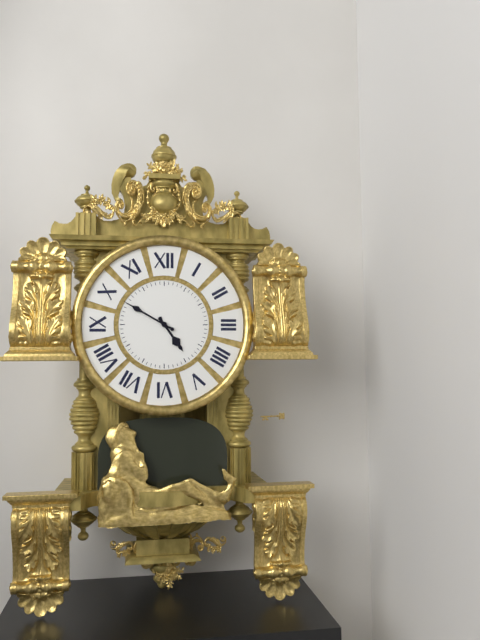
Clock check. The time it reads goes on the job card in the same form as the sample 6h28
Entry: 4h50
